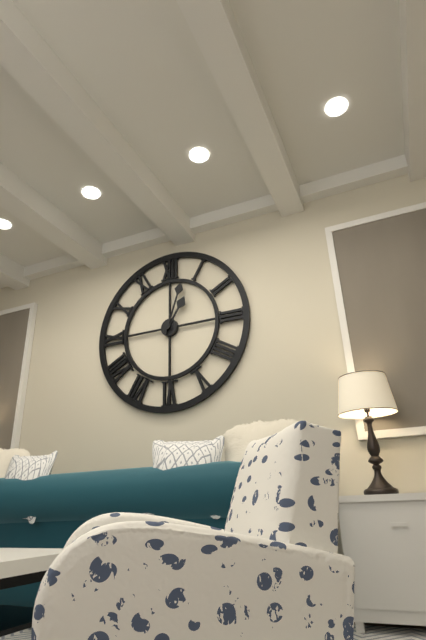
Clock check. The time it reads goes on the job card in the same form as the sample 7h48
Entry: 1h03
